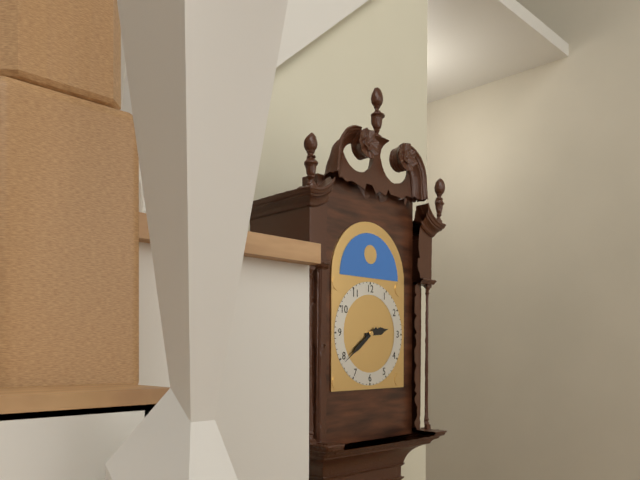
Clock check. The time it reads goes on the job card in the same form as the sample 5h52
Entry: 2h39
